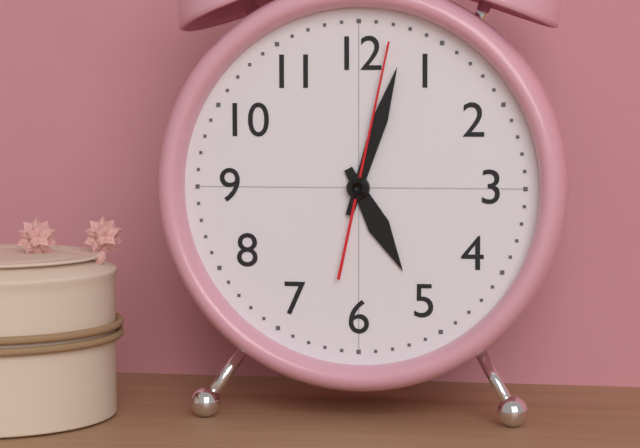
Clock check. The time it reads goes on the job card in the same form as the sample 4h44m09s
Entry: 5h03m02s
